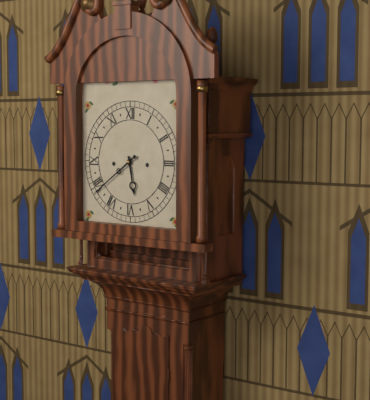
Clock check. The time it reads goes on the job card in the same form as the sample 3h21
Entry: 5h39
